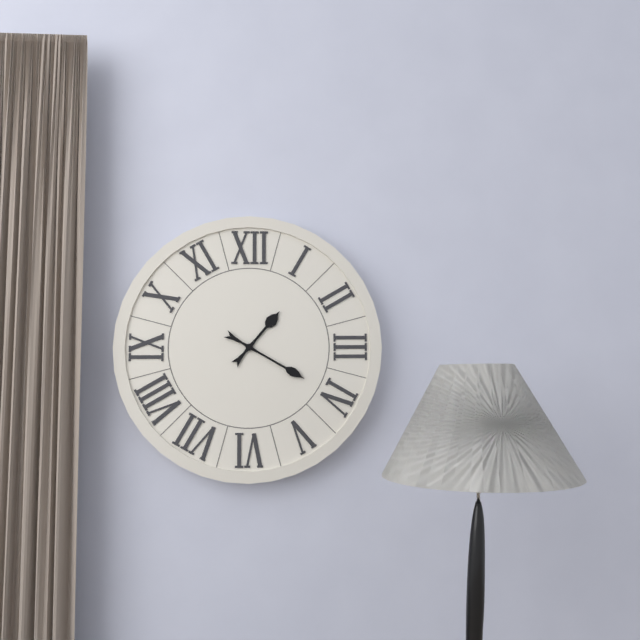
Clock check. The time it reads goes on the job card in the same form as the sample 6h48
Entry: 1h20
